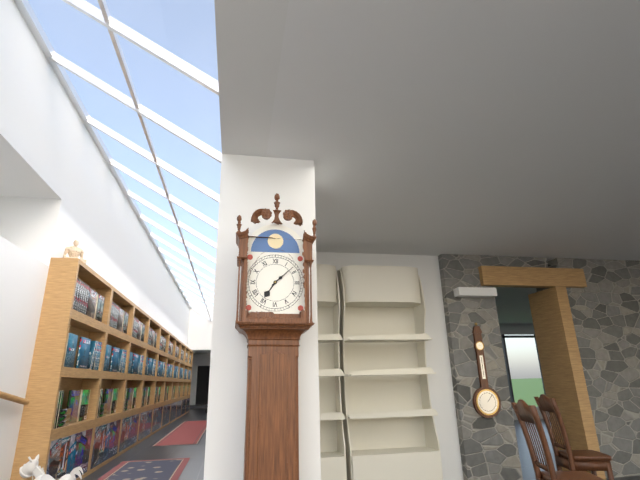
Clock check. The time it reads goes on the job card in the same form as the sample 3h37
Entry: 7h08
